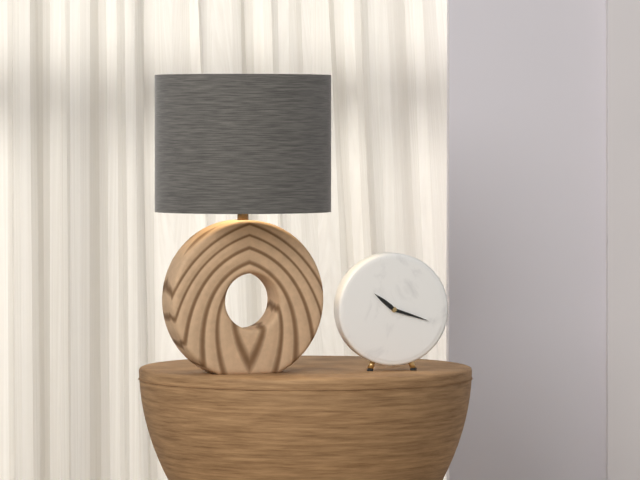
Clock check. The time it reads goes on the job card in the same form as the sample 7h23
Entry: 10h18
